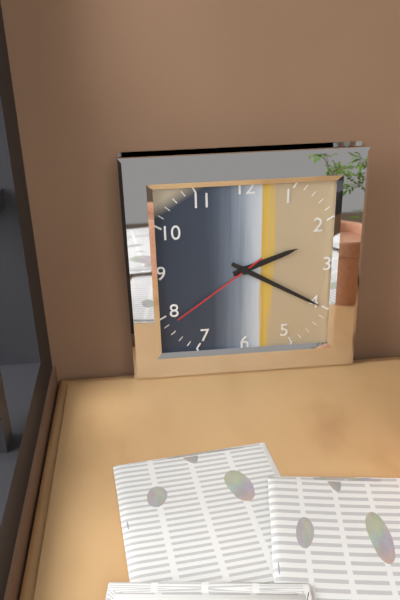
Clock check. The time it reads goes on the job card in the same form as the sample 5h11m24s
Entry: 2h20m39s
